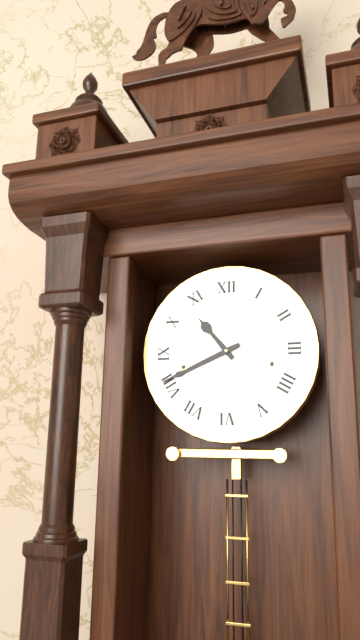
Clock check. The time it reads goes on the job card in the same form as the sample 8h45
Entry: 10h41
